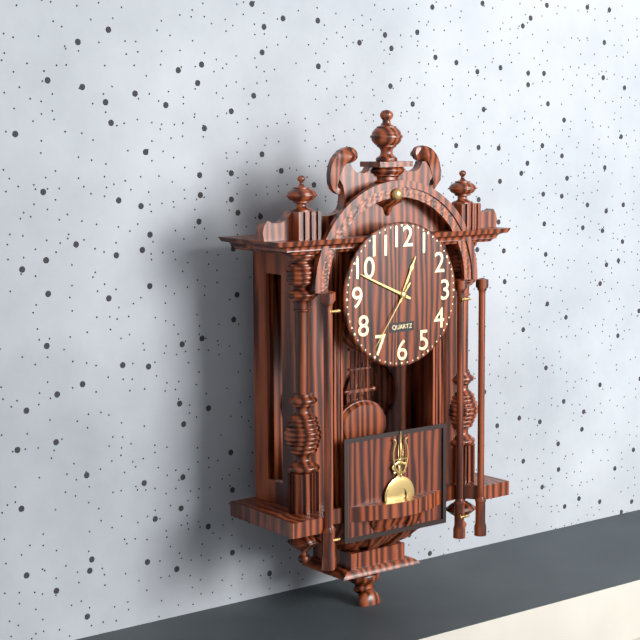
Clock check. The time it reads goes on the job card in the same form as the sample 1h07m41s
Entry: 12h49m36s
